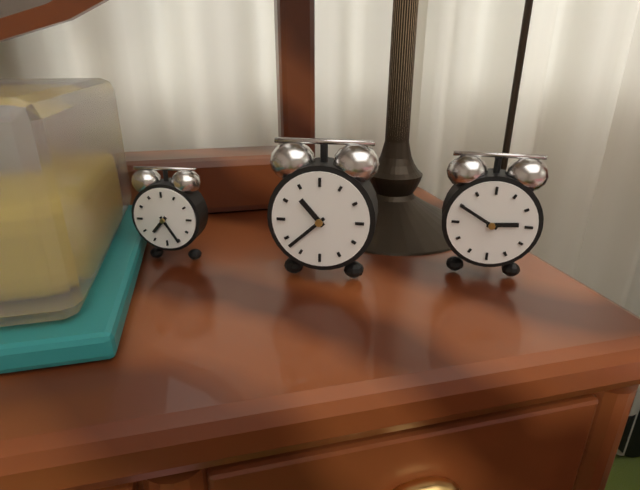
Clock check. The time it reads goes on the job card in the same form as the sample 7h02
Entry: 10h38
